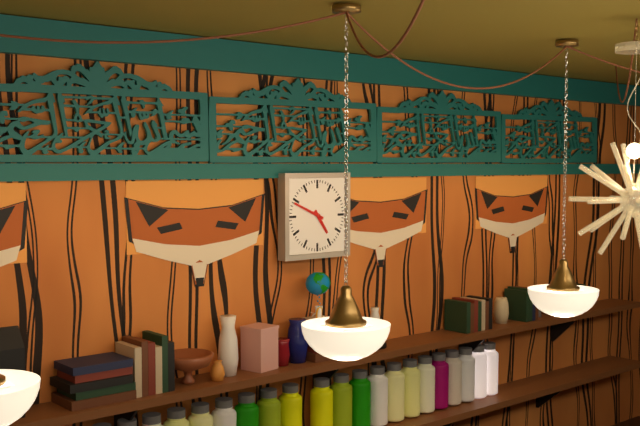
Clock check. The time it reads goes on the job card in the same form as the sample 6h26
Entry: 4h49
